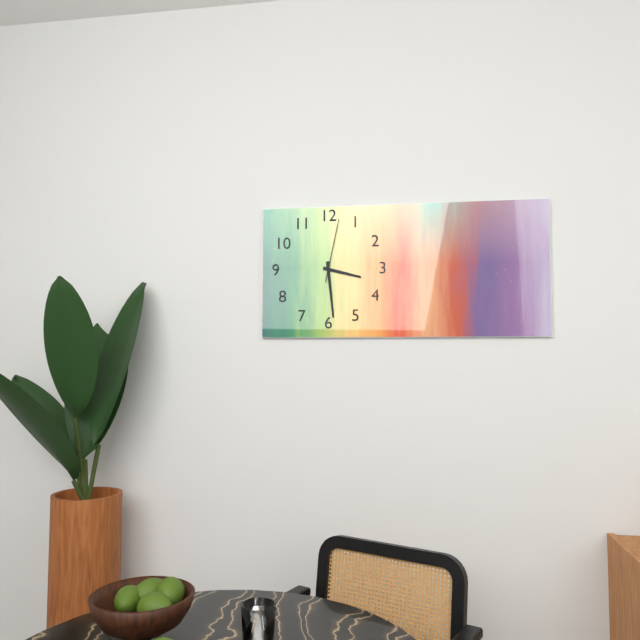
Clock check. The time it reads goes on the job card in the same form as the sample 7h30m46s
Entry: 3h29m02s
